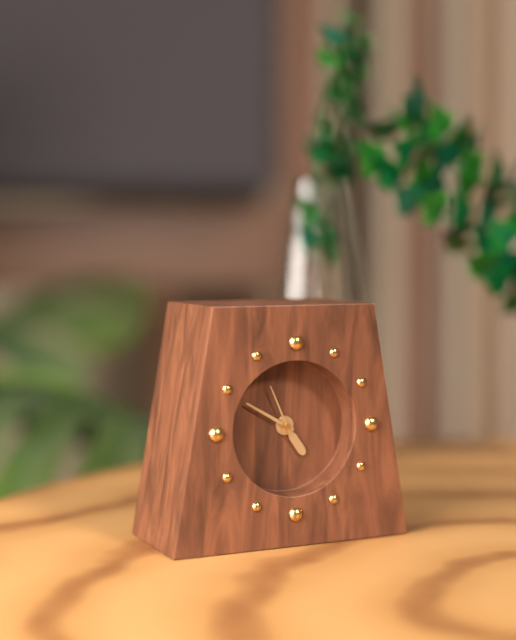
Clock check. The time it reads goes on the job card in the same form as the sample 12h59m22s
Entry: 4h50m56s
